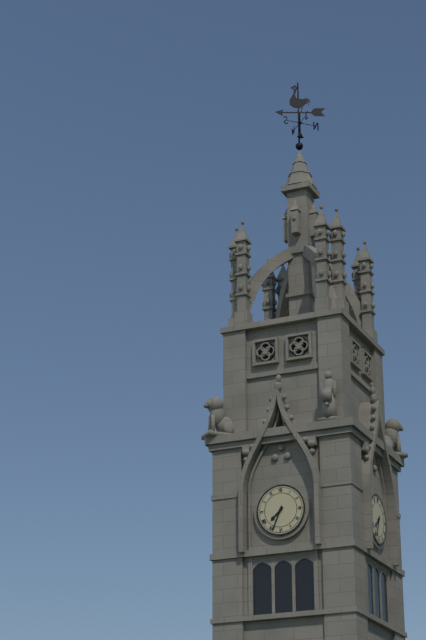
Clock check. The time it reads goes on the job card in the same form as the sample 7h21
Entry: 7h34
